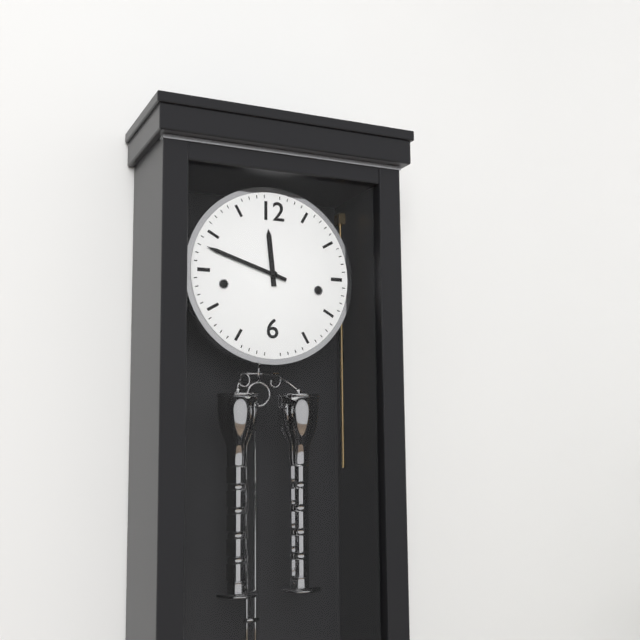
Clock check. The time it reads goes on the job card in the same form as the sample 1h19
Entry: 11h48
